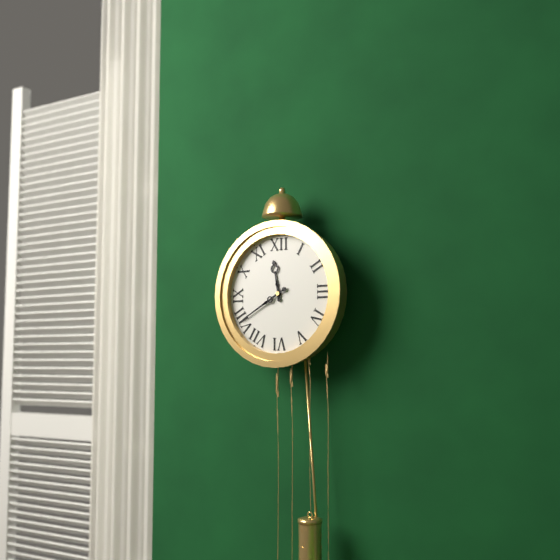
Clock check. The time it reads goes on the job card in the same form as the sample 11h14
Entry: 11h40
